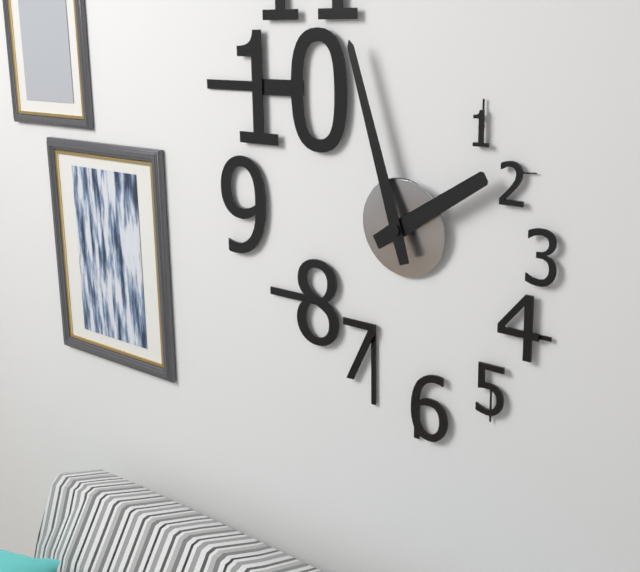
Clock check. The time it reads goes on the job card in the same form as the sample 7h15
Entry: 1h57
